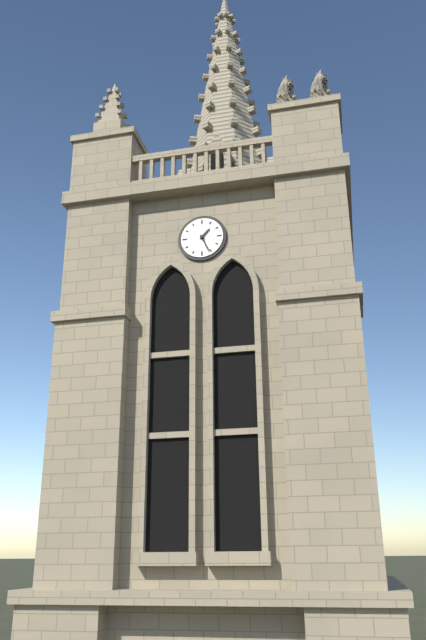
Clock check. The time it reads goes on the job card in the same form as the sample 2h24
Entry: 1h26
